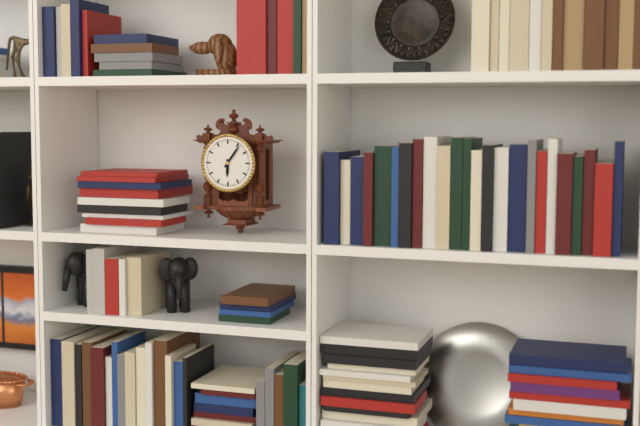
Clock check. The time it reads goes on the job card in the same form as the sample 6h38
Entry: 6h06
